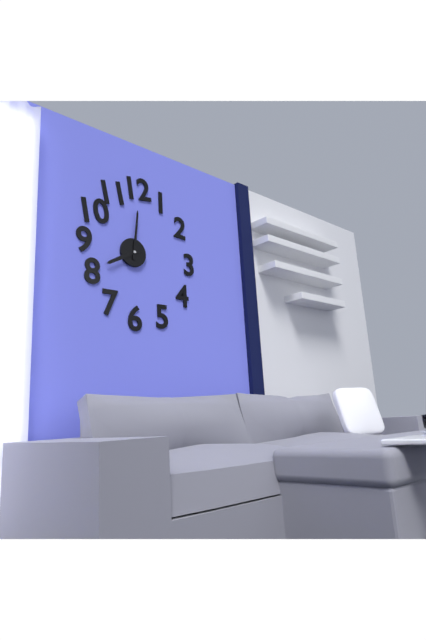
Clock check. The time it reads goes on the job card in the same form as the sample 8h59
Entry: 8h01
